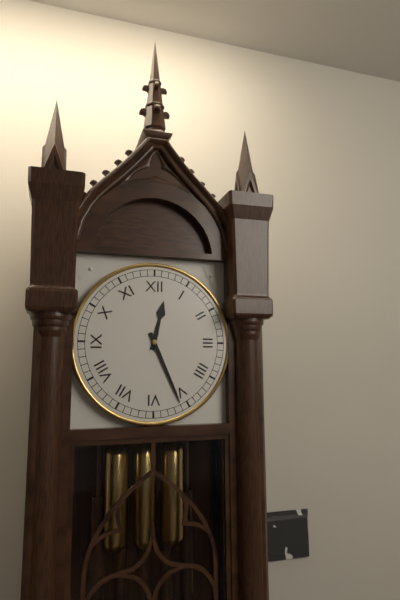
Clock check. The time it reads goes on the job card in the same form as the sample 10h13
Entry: 12h26
